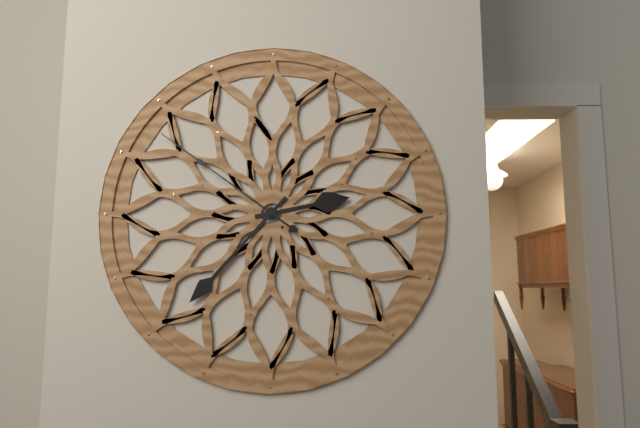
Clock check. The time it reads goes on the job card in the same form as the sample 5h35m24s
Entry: 2h37m51s
